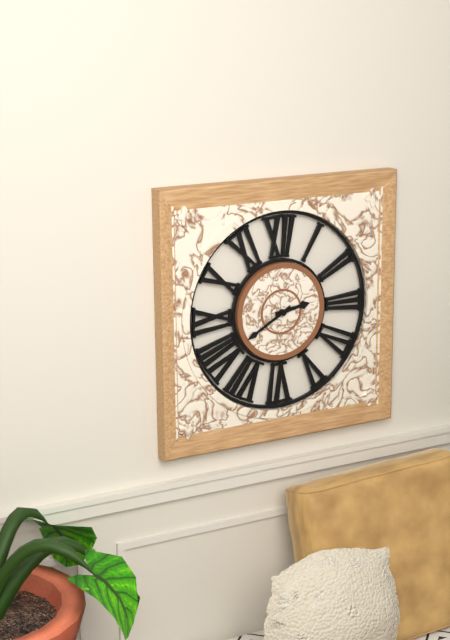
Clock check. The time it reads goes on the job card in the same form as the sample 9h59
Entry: 2h40
